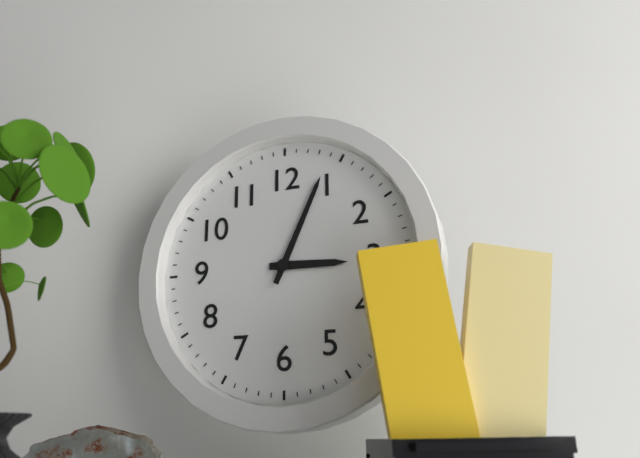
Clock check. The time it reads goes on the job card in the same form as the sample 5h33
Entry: 3h04
